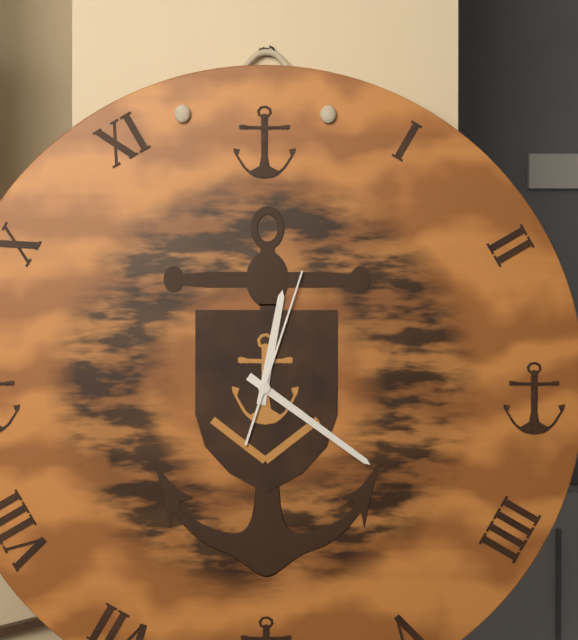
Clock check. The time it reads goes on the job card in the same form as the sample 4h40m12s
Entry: 12h21m03s
